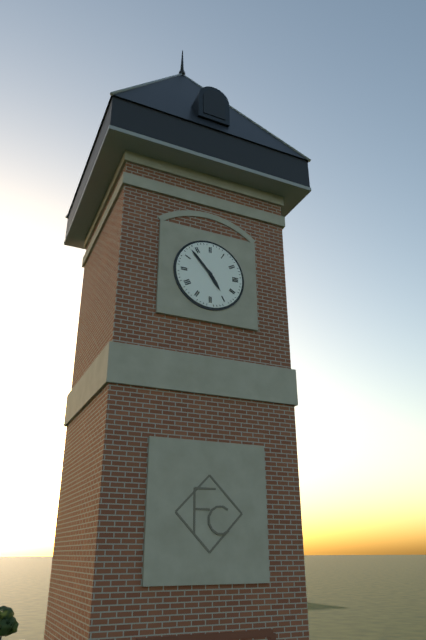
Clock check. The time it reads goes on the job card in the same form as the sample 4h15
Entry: 4h53
